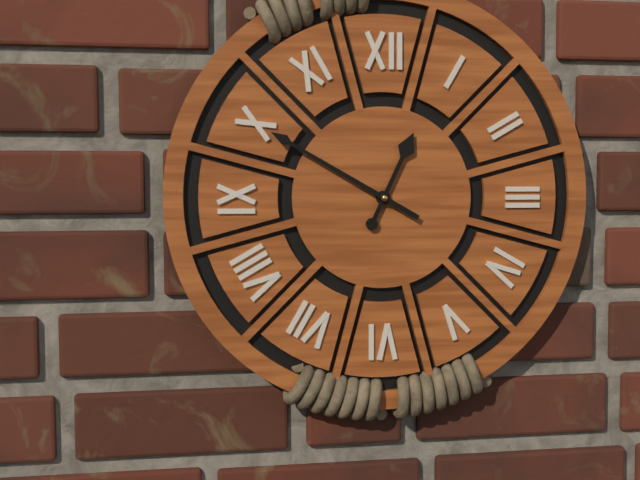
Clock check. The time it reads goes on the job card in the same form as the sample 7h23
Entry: 12h50
